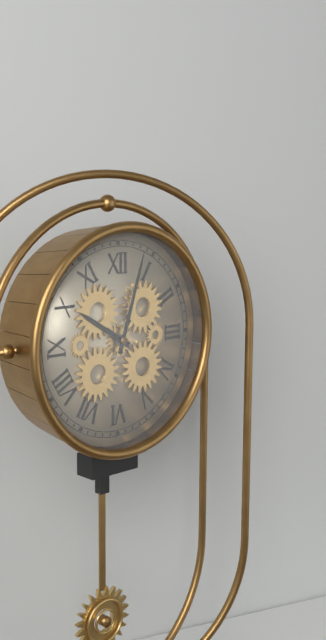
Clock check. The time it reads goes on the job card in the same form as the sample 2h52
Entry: 10h03
